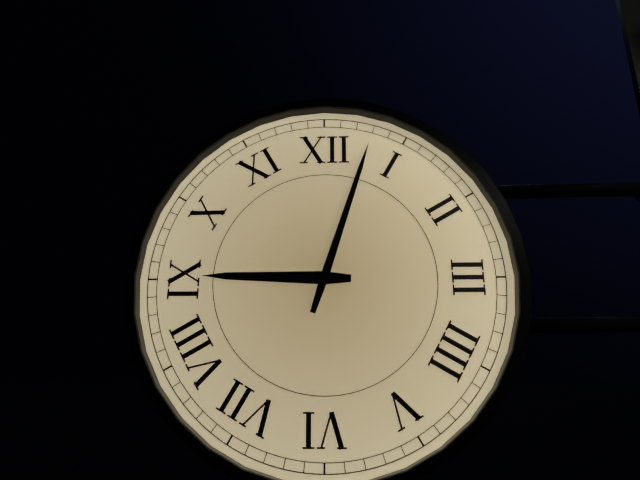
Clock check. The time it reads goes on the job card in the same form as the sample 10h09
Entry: 9h03
